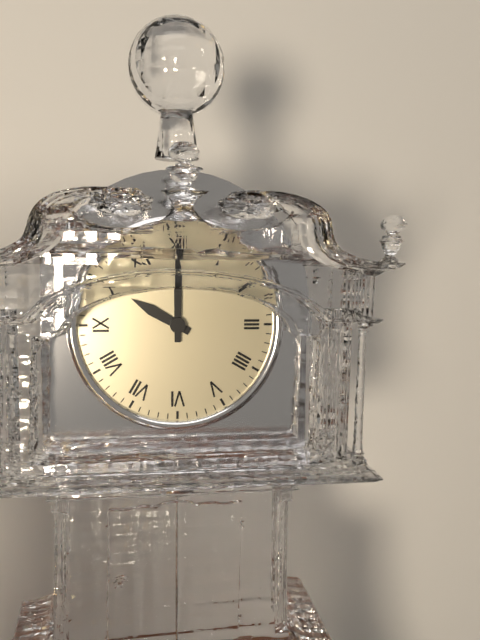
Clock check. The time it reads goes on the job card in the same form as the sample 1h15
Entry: 10h00
